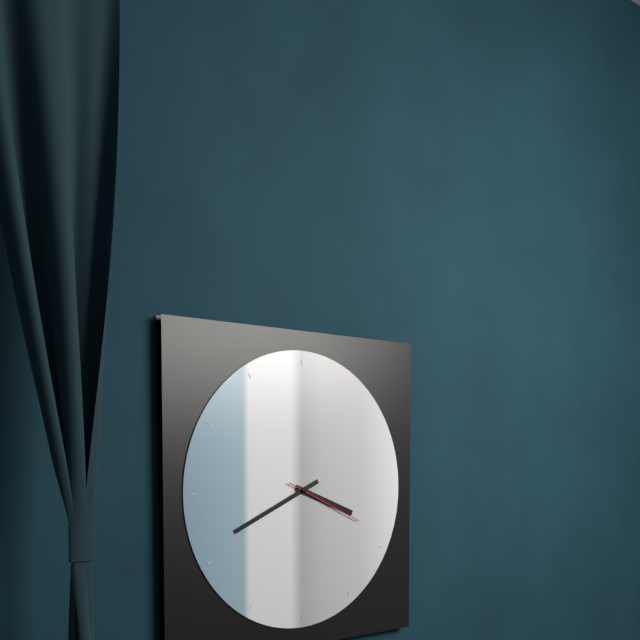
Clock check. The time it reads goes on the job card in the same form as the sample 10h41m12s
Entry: 3h41m19s
